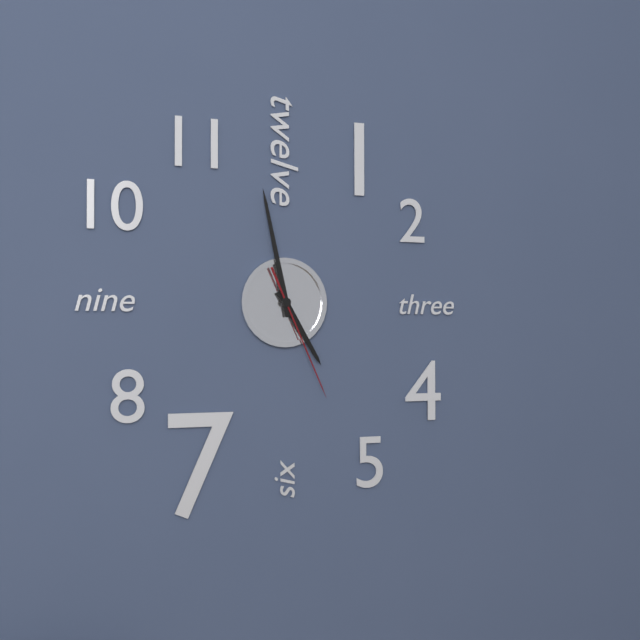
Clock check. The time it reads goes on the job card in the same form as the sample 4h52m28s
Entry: 4h58m26s
